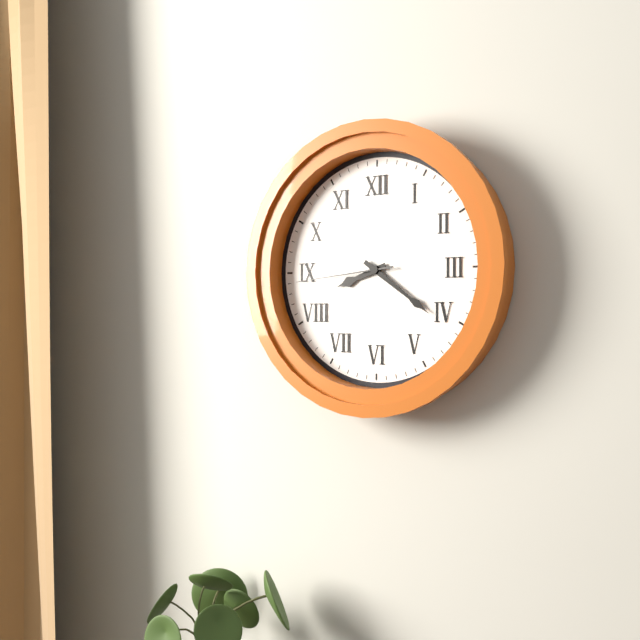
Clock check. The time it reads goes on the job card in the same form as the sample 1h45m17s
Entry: 8h21m44s
